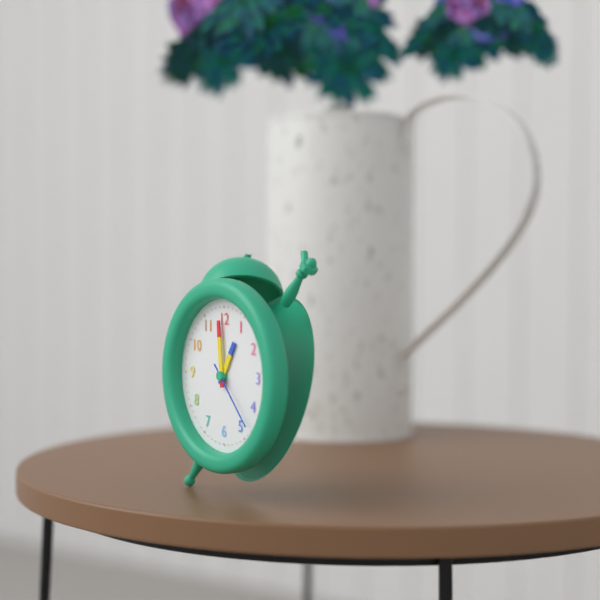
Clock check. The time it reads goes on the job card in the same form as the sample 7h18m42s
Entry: 12h59m23s
